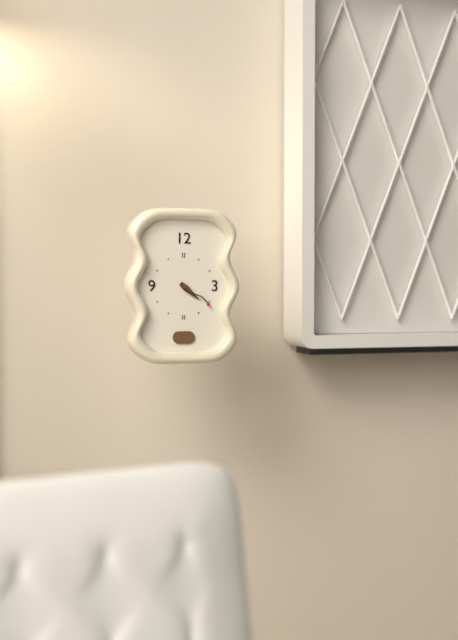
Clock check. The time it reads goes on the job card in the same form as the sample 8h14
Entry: 4h21
